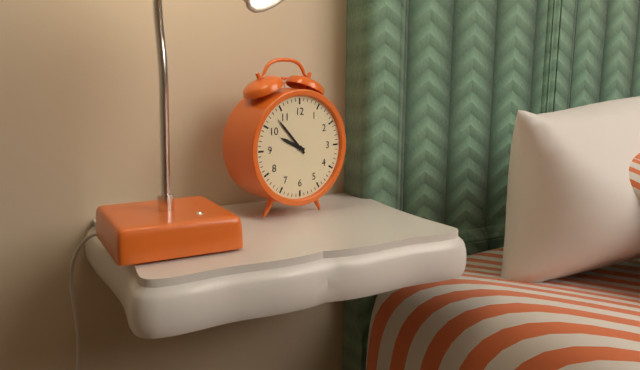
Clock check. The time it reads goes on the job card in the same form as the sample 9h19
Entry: 9h53
